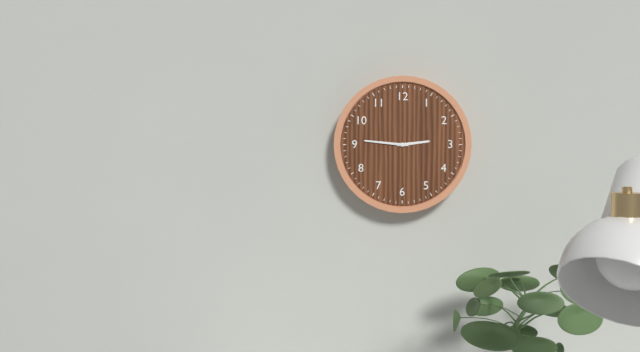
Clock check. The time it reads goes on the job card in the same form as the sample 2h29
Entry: 2h46
